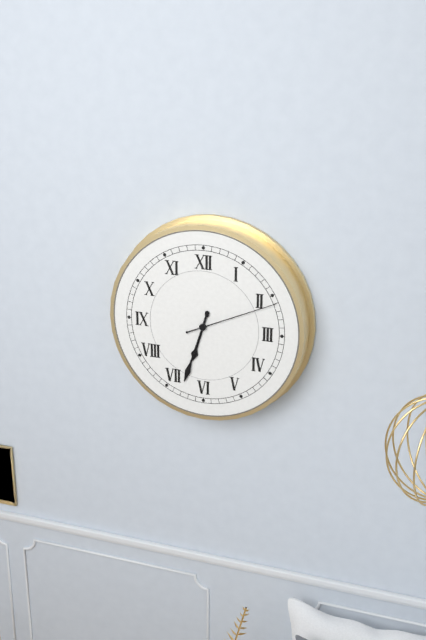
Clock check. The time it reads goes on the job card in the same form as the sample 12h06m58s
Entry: 6h33m11s
